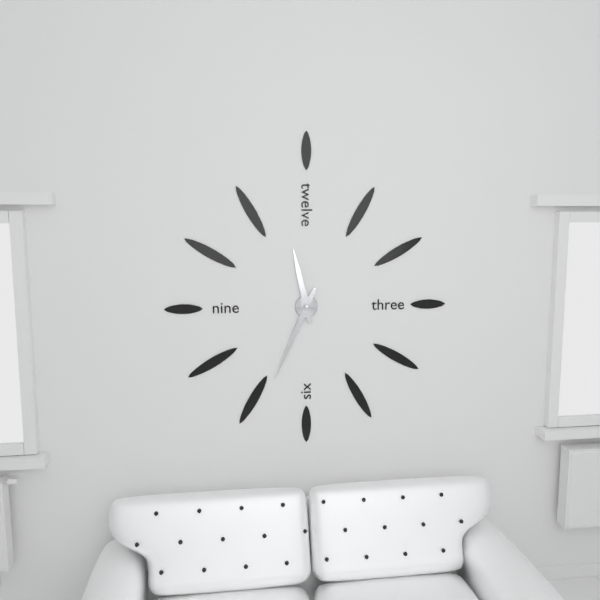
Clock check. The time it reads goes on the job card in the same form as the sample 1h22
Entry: 11h34
